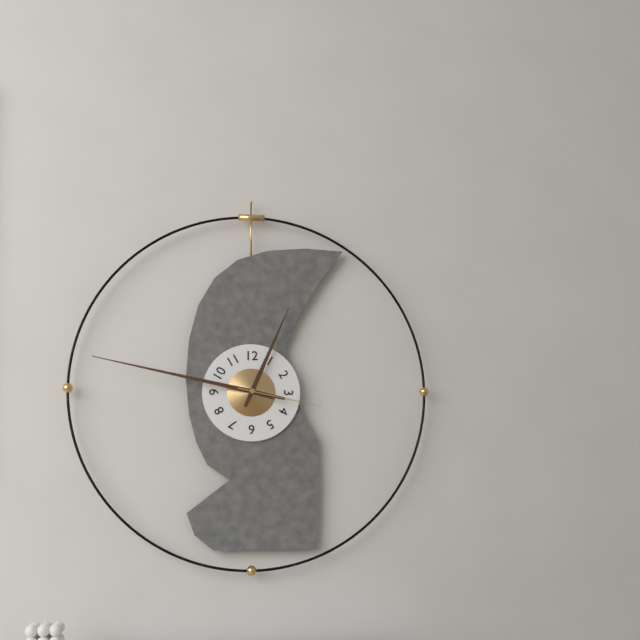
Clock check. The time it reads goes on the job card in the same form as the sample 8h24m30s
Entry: 12h47m17s
